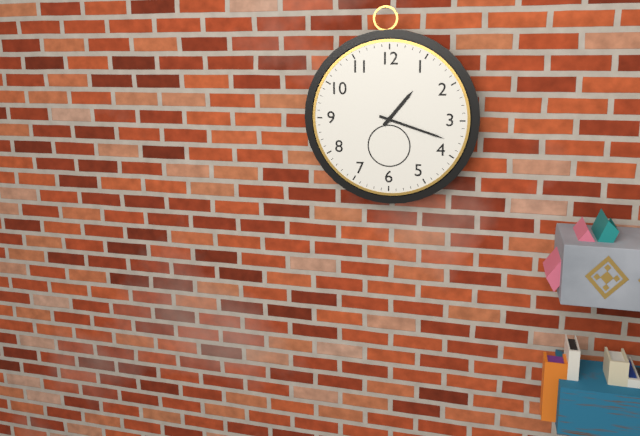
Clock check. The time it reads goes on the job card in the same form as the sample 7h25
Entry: 1h18
